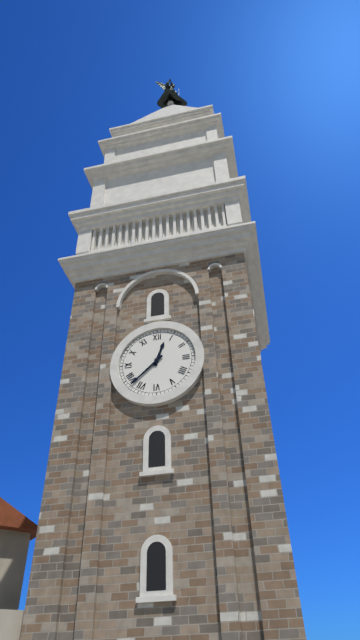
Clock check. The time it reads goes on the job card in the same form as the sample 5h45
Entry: 12h38
